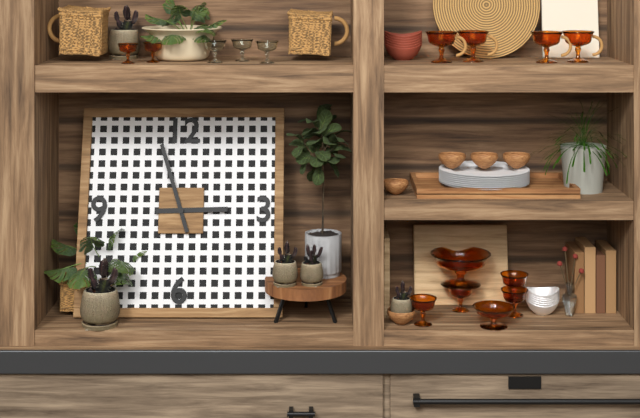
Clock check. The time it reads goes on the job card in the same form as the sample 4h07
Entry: 2h57
